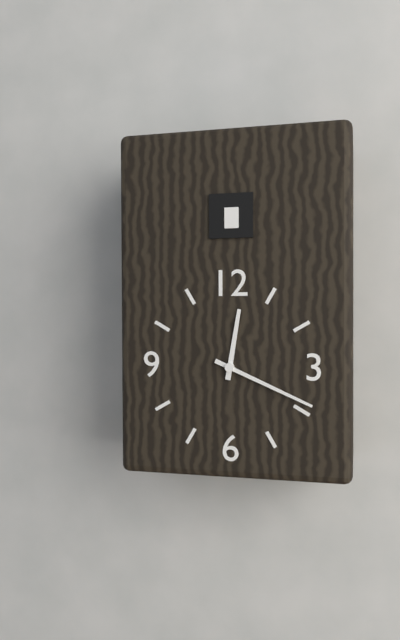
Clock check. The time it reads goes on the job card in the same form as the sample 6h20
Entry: 12h19
